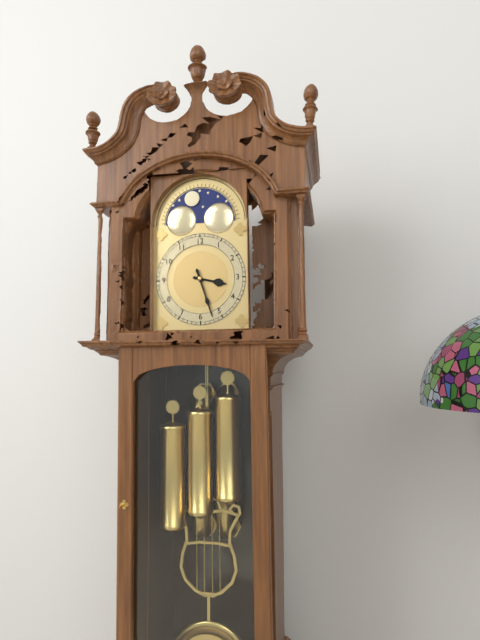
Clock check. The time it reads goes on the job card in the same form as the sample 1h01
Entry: 3h27
